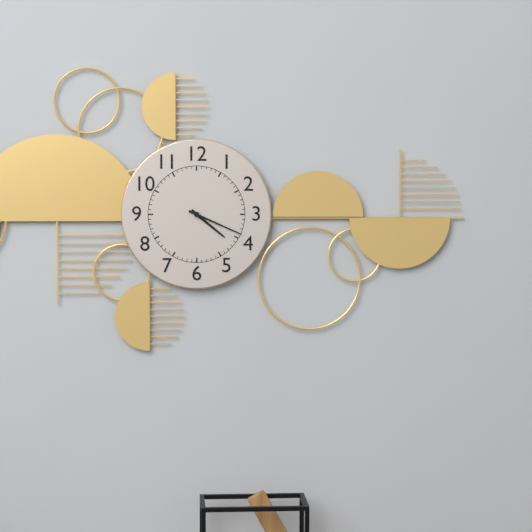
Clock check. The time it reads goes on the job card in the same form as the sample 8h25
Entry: 4h19
